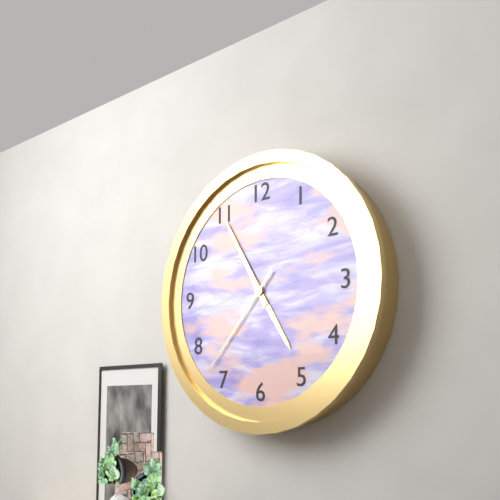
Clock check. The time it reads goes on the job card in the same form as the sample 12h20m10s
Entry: 4h55m37s
